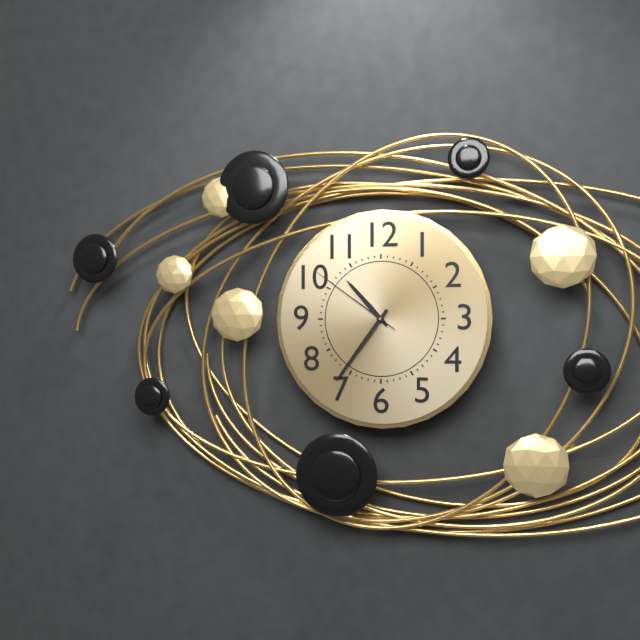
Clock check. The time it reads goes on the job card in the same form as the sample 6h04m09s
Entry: 10h36m51s
